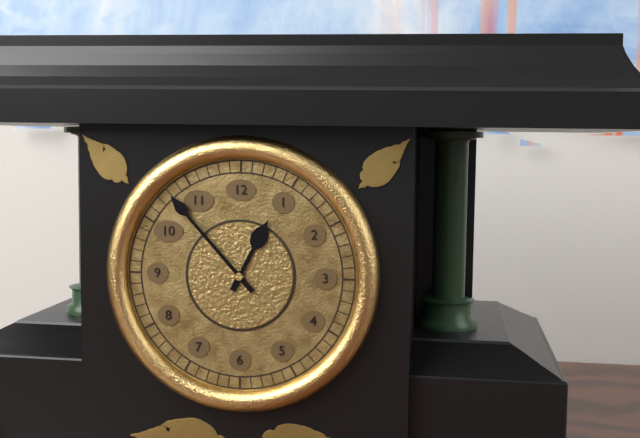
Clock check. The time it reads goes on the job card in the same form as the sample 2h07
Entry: 12h53
